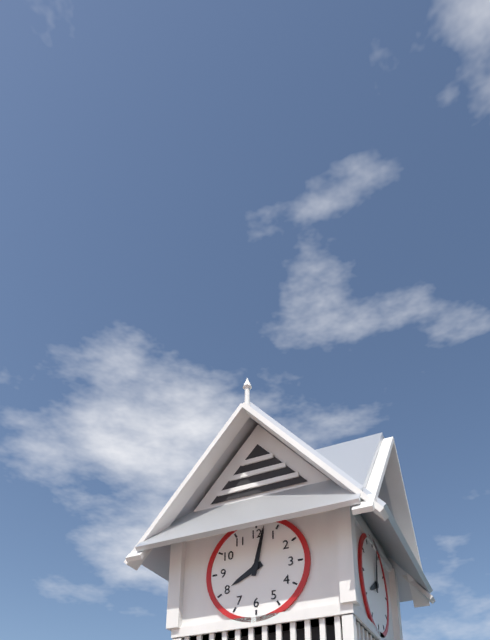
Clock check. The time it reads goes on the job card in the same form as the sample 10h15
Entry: 8h02
